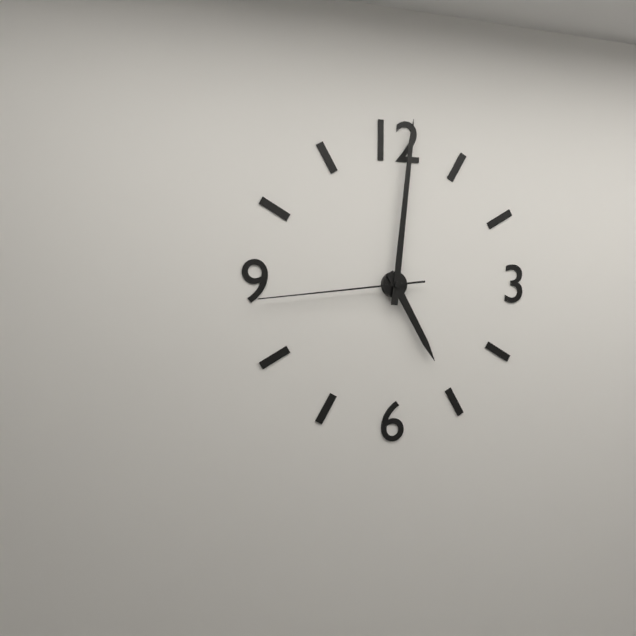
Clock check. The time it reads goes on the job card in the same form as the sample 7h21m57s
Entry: 5h01m44s
